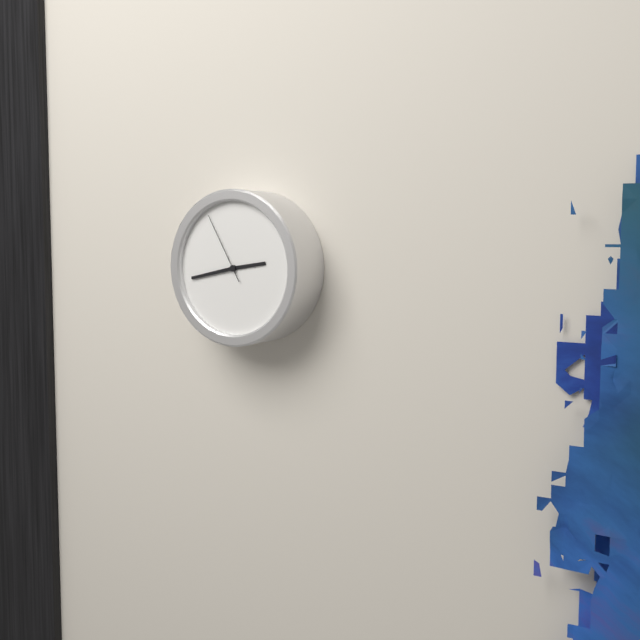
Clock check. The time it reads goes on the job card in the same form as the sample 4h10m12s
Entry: 2h43m55s
